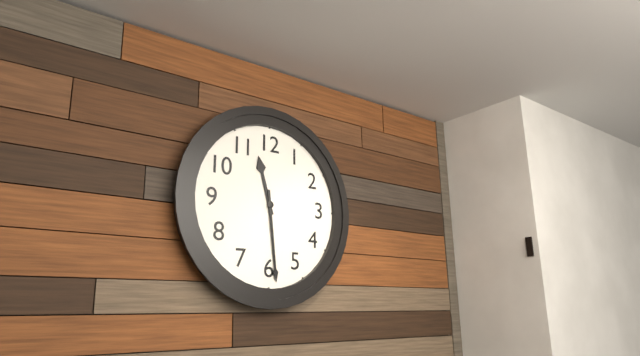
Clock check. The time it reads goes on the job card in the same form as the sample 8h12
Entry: 11h29
